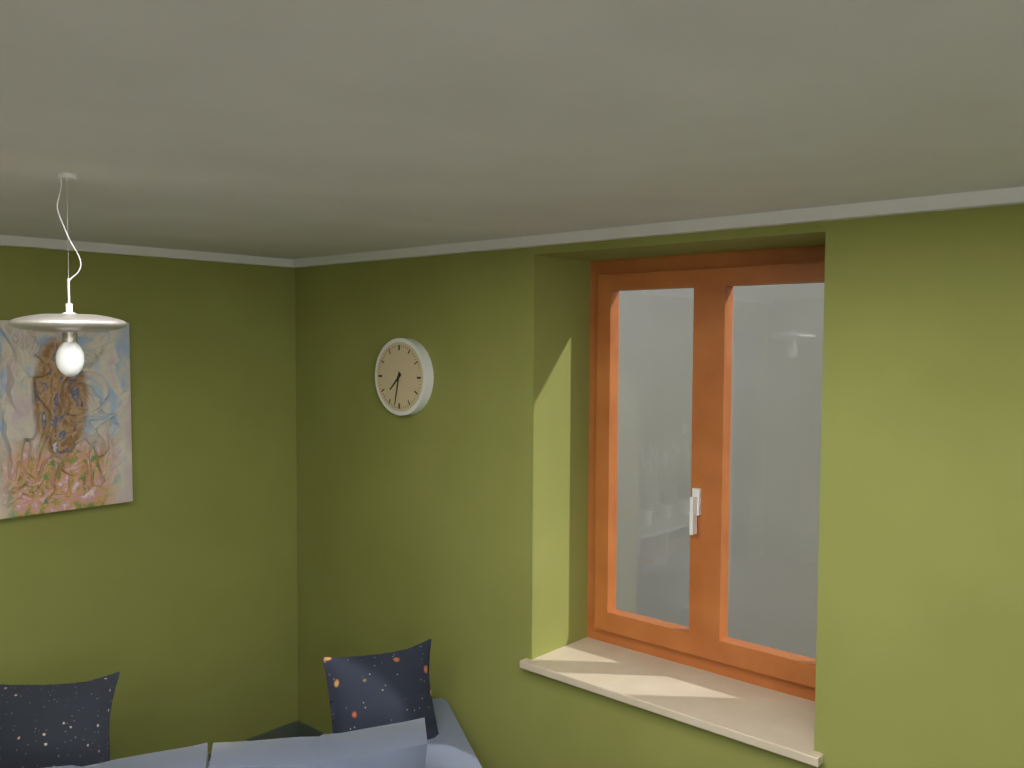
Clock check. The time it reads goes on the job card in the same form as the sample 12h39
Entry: 7h32
